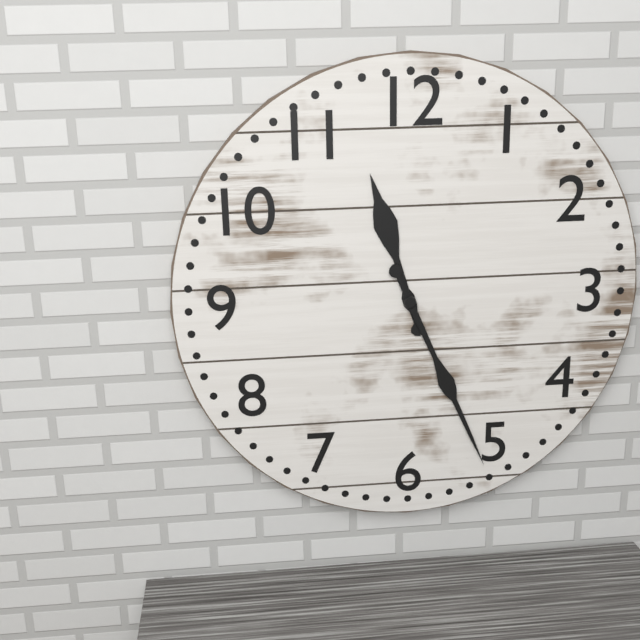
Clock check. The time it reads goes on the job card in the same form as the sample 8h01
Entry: 11h26
